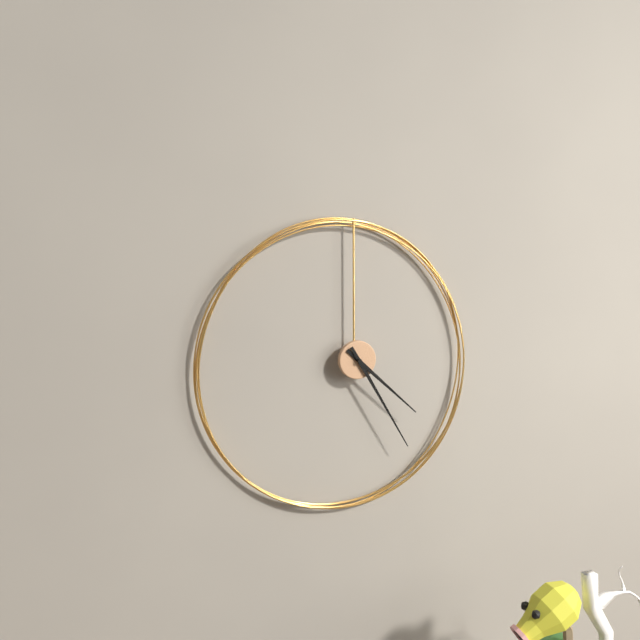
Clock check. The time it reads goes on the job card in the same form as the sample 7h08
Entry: 4h25
